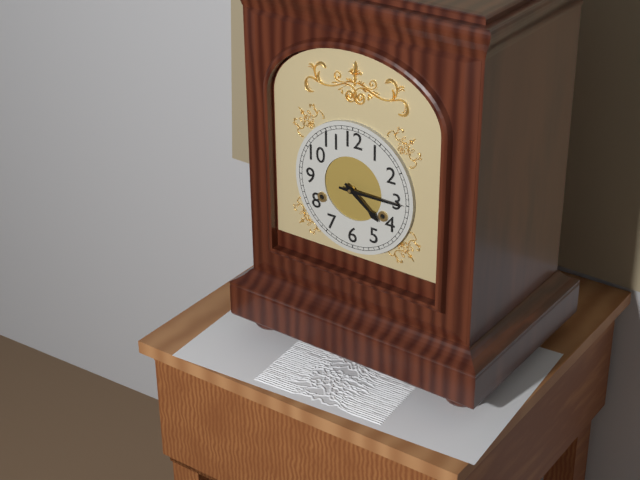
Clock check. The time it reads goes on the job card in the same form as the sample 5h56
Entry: 4h15
